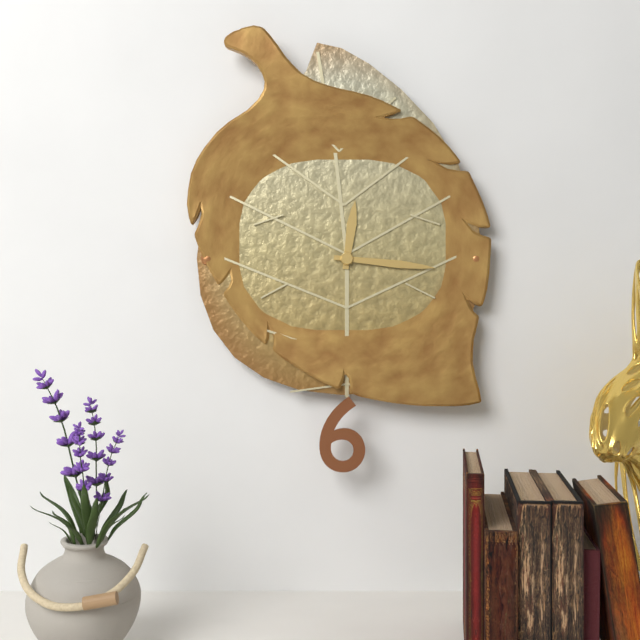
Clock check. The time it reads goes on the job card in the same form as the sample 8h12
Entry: 12h16
